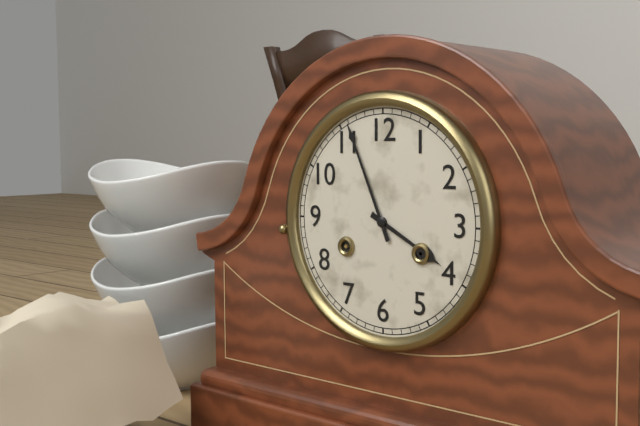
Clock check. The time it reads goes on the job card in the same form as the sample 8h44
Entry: 3h56
